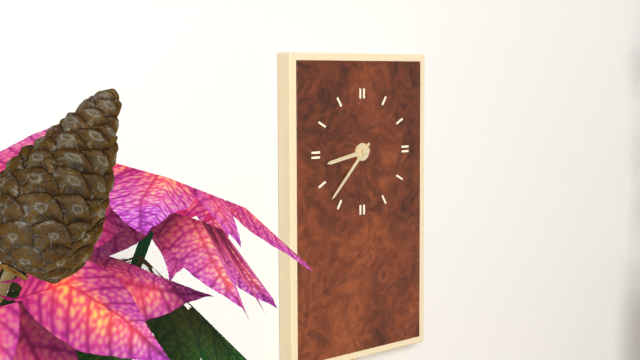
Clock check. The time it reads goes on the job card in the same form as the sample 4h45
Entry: 8h37
